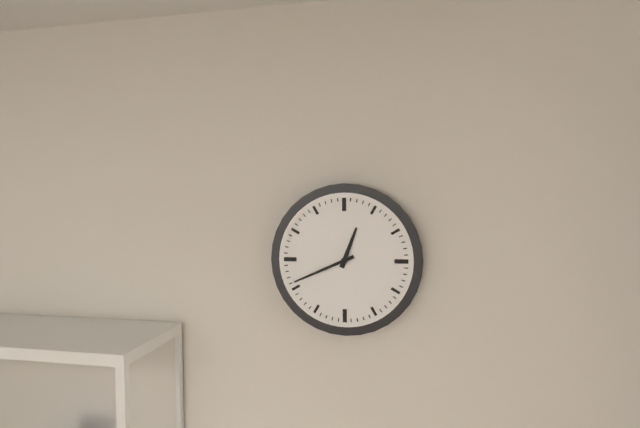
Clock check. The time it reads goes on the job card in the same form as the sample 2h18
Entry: 12h41
